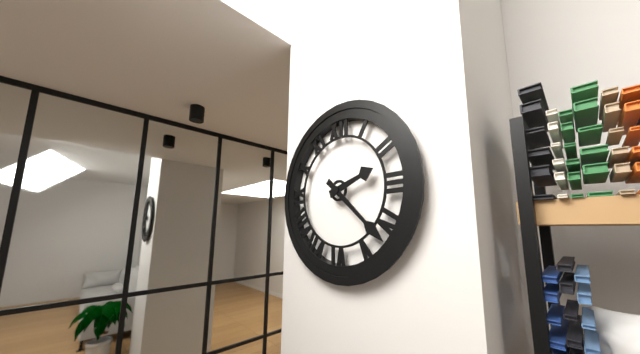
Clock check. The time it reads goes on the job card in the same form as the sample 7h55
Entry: 2h22
